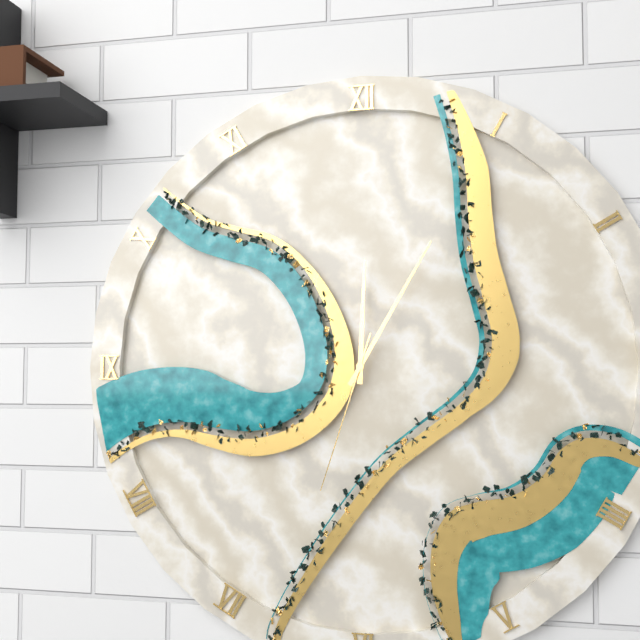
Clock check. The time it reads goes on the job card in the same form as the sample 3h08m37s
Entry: 12h05m33s
